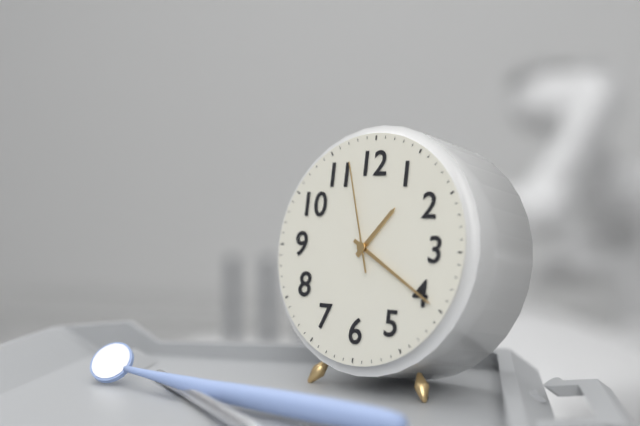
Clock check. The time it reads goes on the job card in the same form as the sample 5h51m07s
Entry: 1h20m57s
